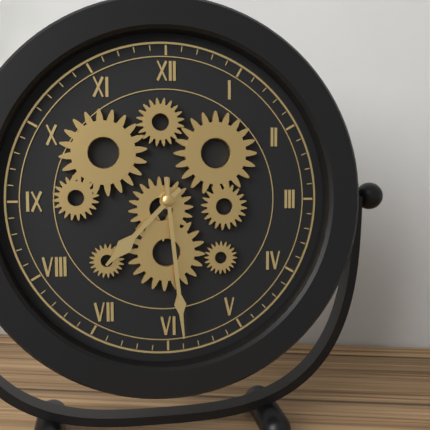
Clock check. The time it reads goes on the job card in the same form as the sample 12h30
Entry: 7h29
